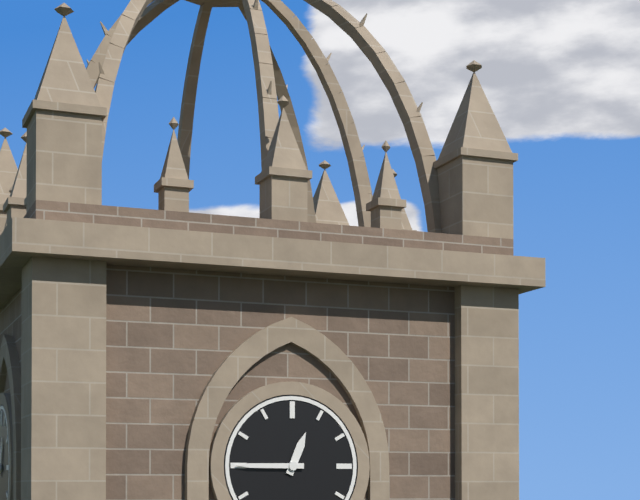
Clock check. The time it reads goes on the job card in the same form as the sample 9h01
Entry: 12h45
